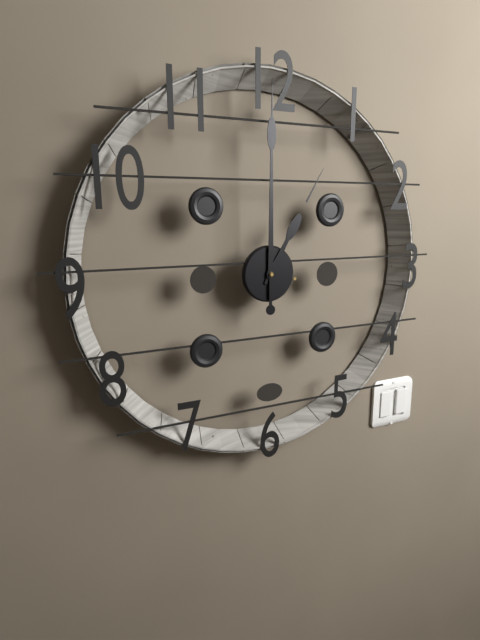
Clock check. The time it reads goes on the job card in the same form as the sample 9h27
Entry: 1h00
